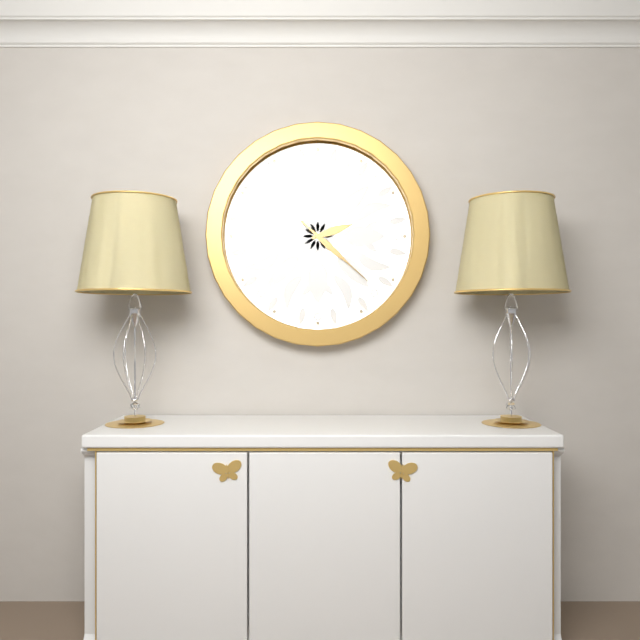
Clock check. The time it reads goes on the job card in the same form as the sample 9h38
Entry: 2h22
